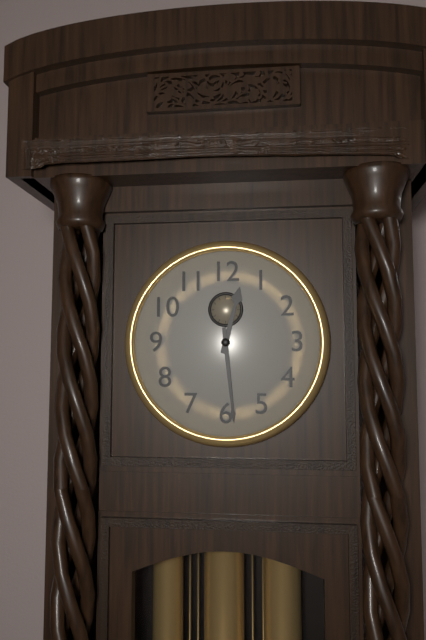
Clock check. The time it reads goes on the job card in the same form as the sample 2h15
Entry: 12h29
